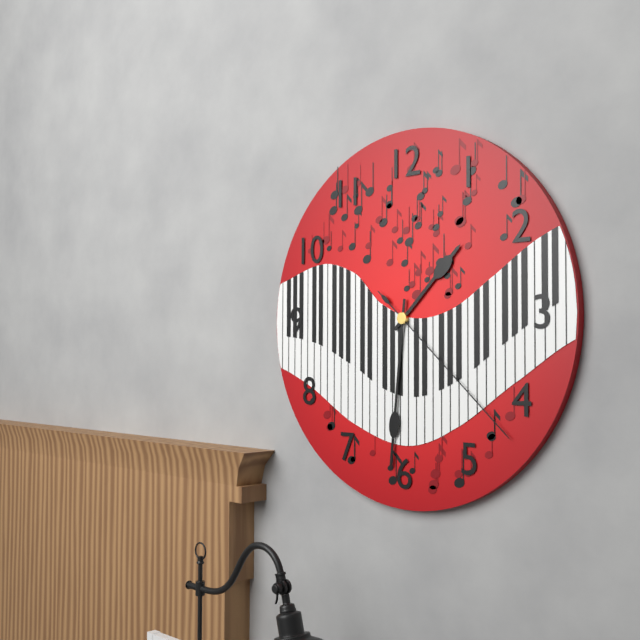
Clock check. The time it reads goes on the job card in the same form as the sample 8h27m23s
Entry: 1h31m22s
